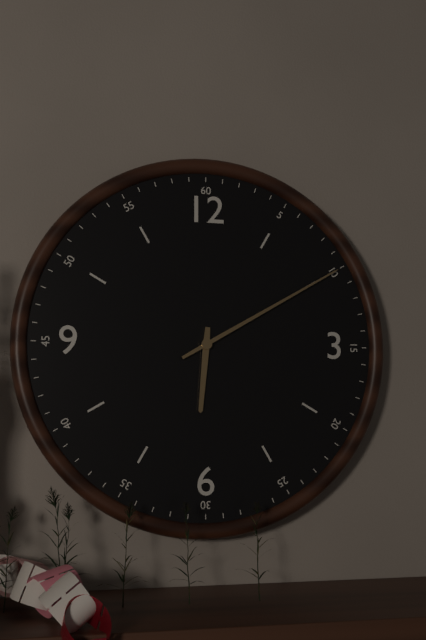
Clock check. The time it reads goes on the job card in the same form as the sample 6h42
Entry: 6h10
